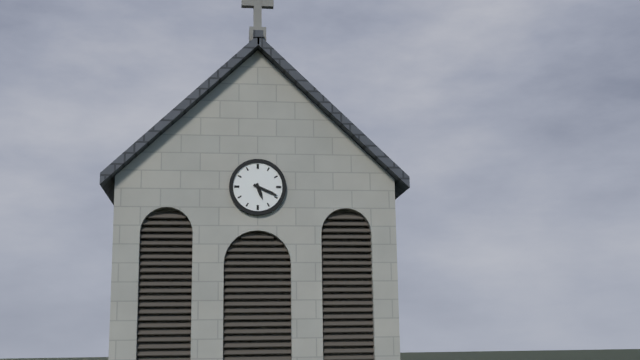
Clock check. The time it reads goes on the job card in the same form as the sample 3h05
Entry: 5h19
